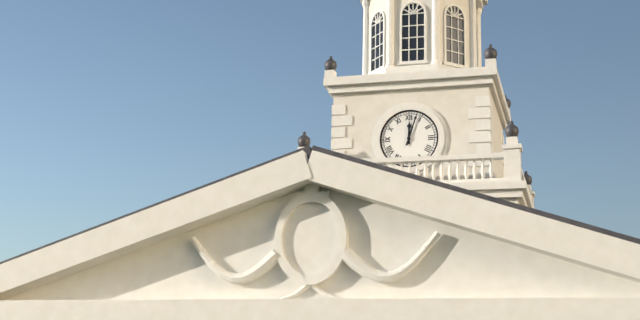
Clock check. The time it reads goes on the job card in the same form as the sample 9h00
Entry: 12h03
